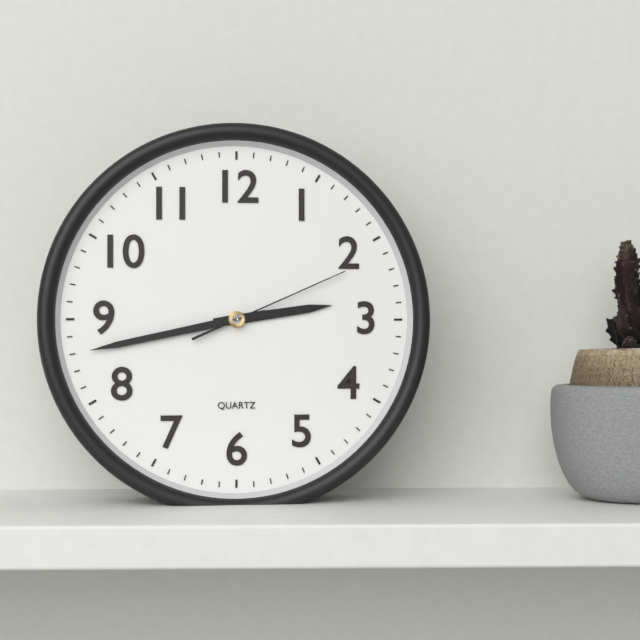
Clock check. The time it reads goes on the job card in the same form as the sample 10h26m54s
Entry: 2h43m11s
